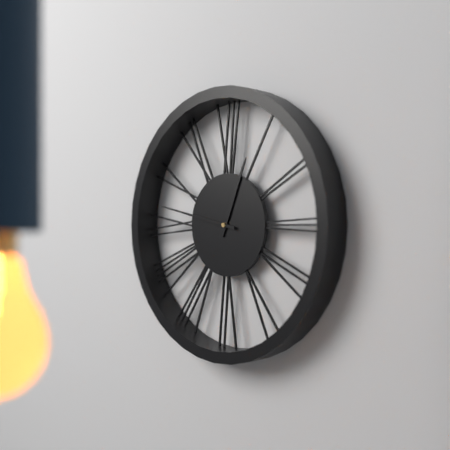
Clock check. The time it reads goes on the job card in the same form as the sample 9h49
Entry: 12h47
